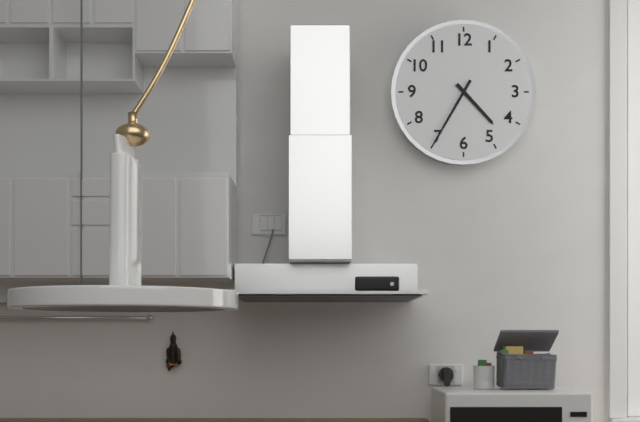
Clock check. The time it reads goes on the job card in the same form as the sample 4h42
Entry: 4h35
